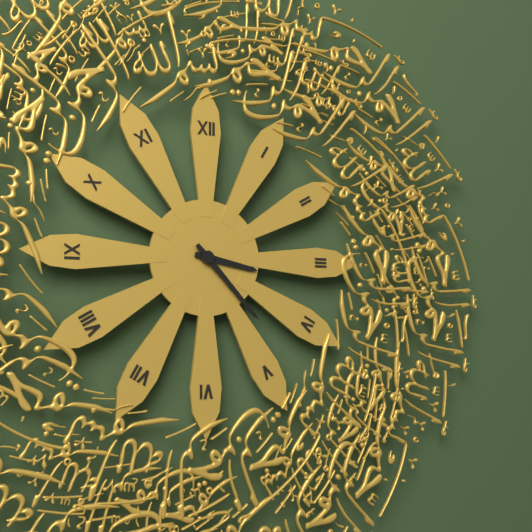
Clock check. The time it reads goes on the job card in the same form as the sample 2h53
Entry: 3h23
